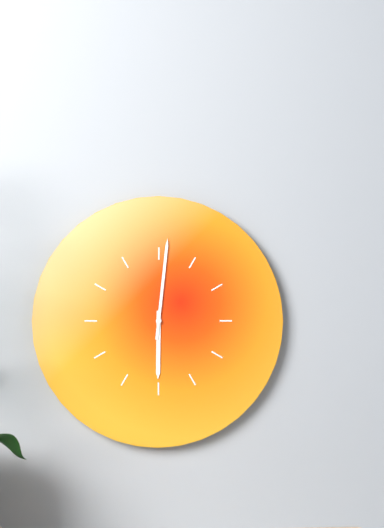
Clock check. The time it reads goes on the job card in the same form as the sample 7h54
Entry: 6h01
